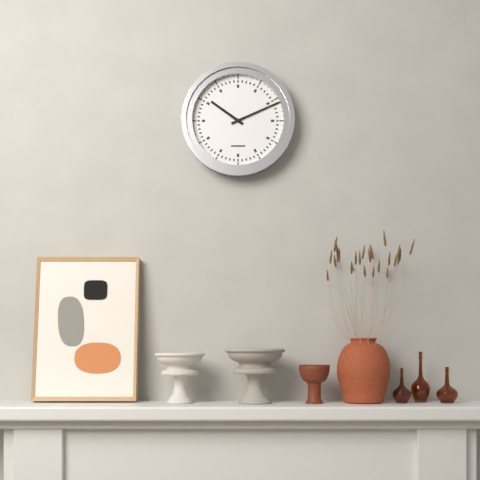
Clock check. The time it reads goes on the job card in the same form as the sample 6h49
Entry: 10h11
